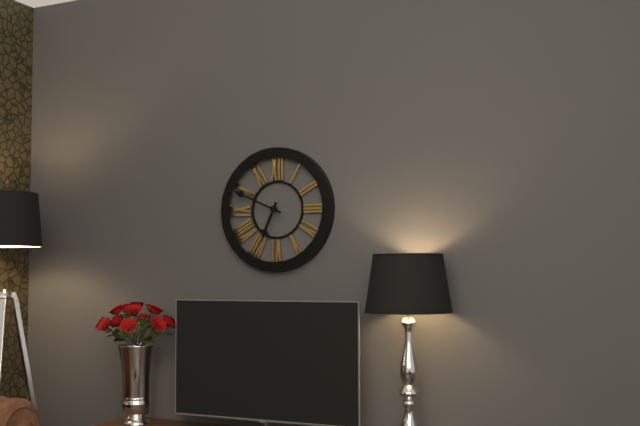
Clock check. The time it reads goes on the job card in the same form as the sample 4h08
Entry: 6h49
